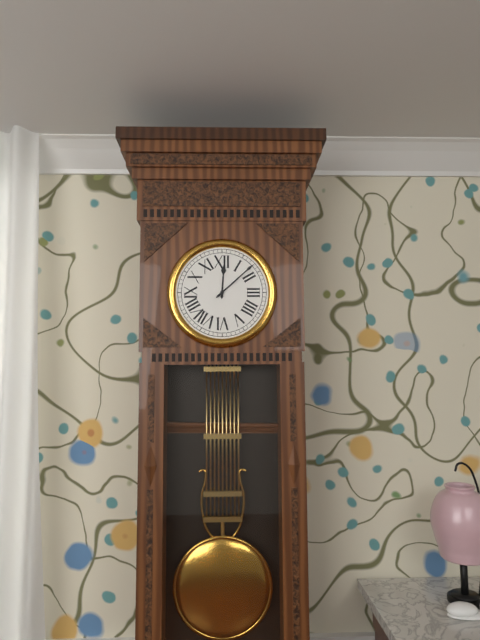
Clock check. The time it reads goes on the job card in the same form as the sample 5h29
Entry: 12h08
